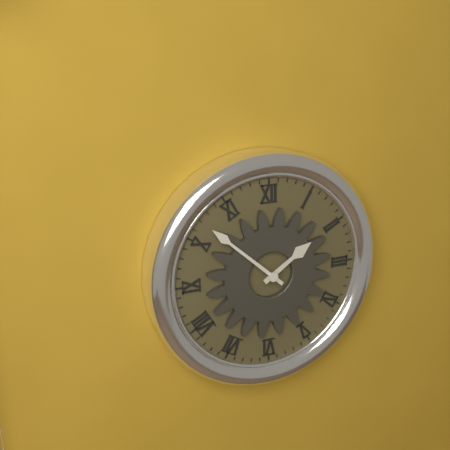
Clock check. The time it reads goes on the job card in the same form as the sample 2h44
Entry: 1h52
